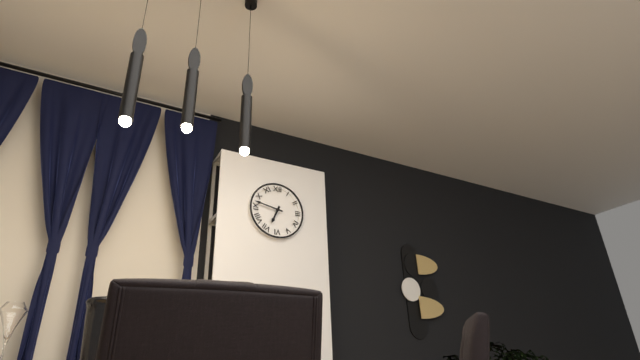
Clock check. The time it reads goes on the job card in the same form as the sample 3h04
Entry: 6h47
